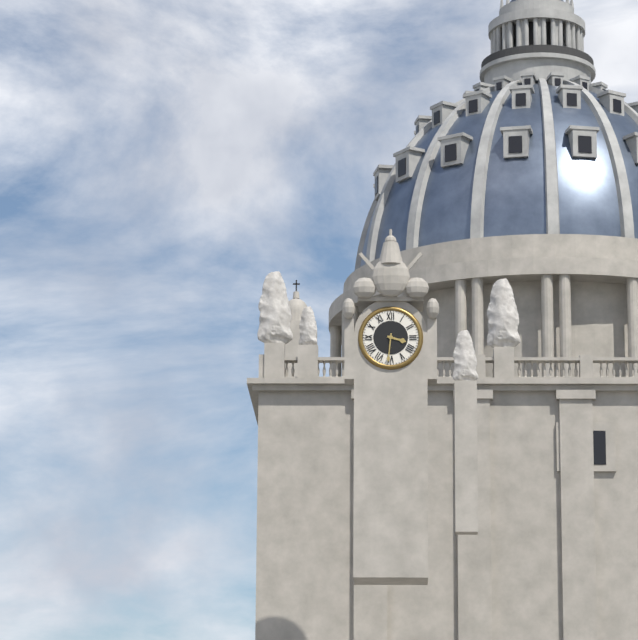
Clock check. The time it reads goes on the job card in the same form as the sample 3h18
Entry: 3h31
